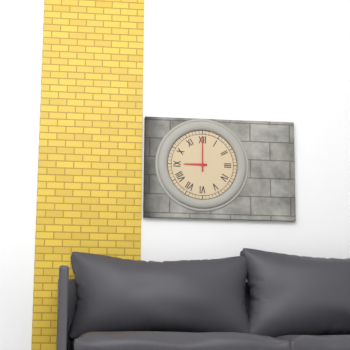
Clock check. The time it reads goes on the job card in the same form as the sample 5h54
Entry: 9h00
